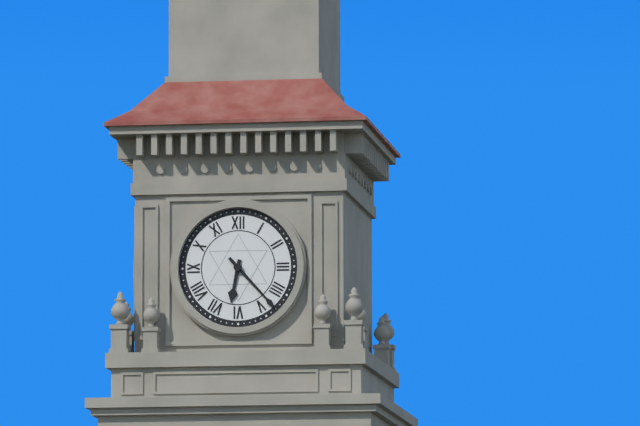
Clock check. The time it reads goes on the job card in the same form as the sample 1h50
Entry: 6h23
